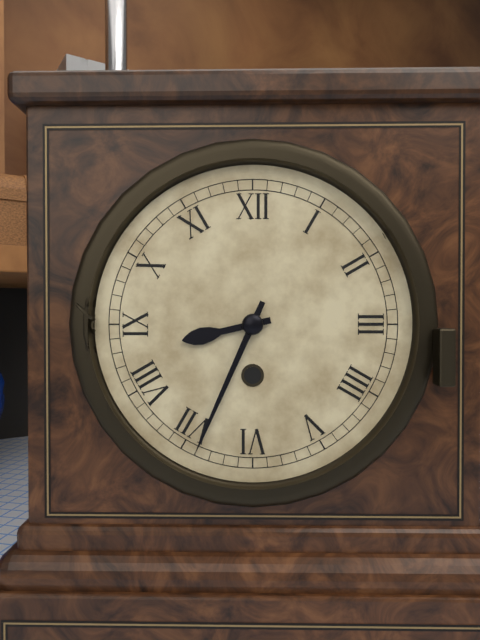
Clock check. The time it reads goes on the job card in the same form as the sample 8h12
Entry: 8h34
